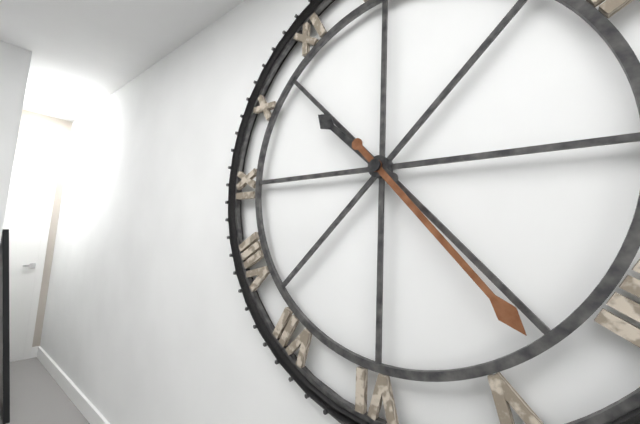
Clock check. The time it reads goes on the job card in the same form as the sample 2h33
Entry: 10h23
